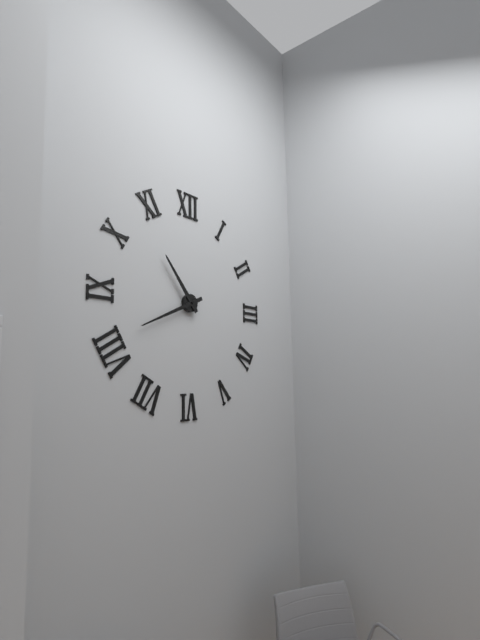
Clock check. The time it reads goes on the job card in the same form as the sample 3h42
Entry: 10h41
